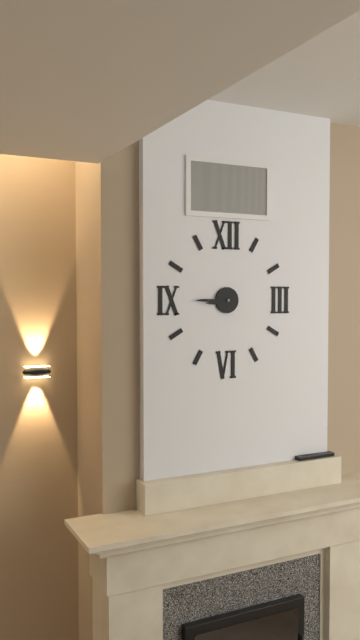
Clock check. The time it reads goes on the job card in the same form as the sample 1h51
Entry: 8h45
